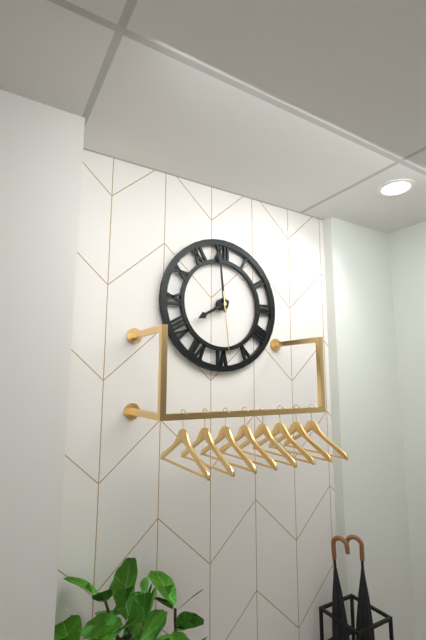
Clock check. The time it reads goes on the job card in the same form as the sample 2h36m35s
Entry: 7h59m29s
